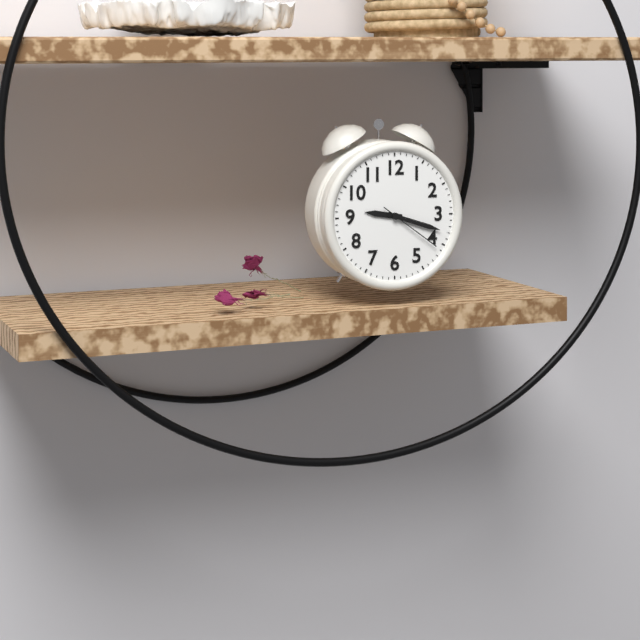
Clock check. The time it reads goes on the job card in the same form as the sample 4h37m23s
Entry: 9h18m21s
